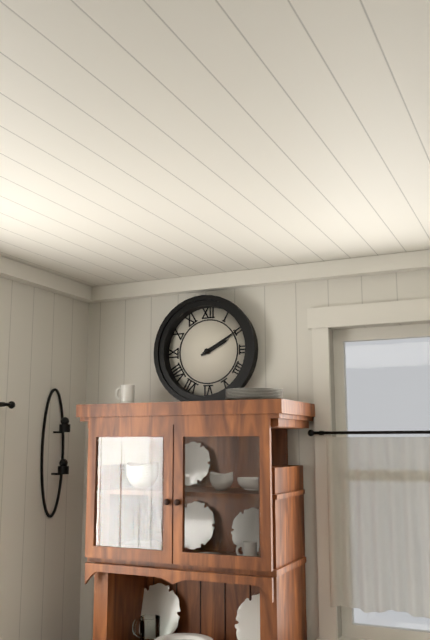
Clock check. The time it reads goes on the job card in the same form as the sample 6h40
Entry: 2h10
